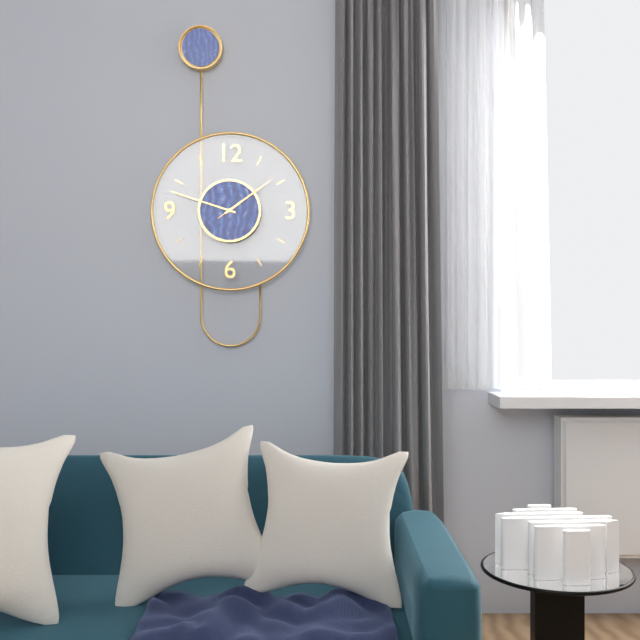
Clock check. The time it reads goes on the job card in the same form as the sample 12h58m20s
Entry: 1h48m09s
